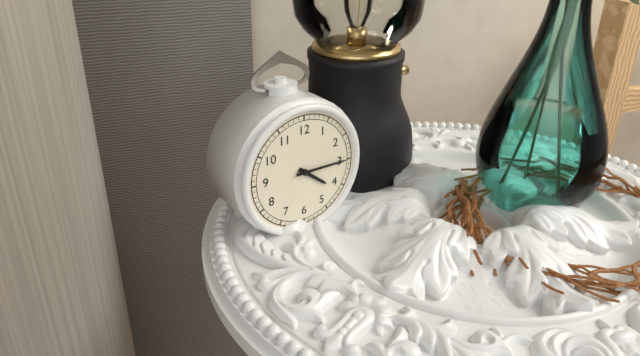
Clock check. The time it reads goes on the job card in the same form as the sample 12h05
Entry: 4h15
